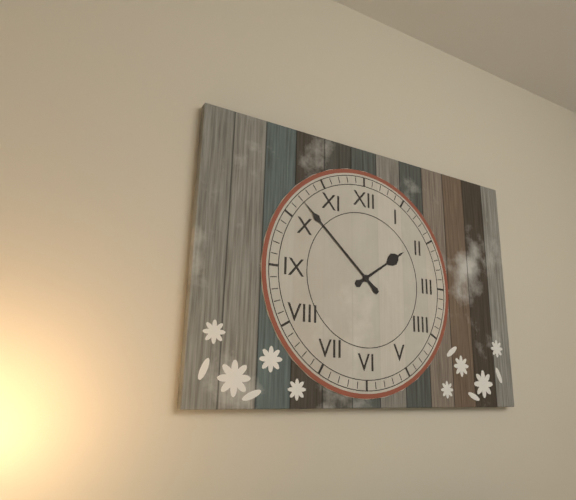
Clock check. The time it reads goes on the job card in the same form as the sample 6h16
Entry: 1h52
